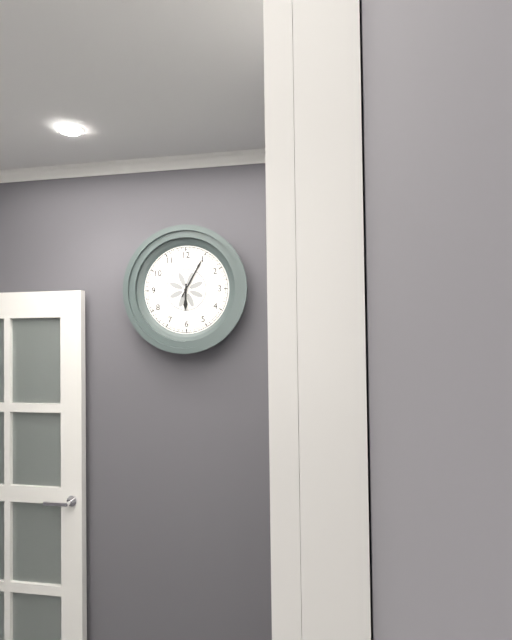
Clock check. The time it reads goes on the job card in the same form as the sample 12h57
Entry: 6h05
